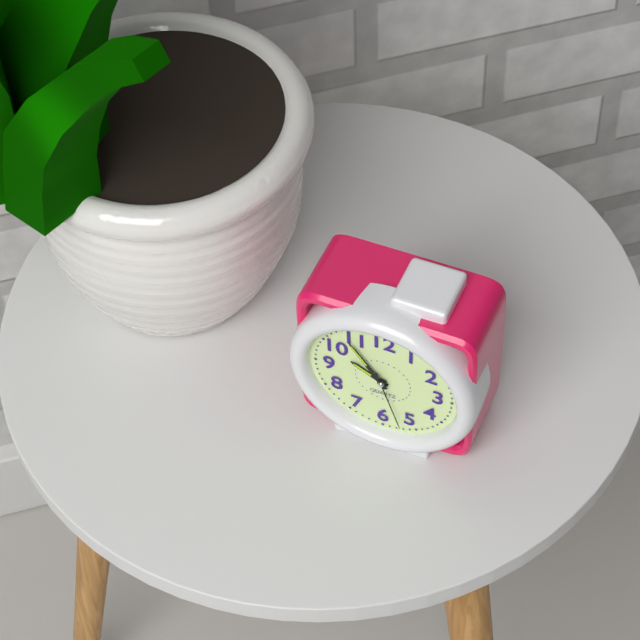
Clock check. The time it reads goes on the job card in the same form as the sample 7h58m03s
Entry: 9h54m27s
